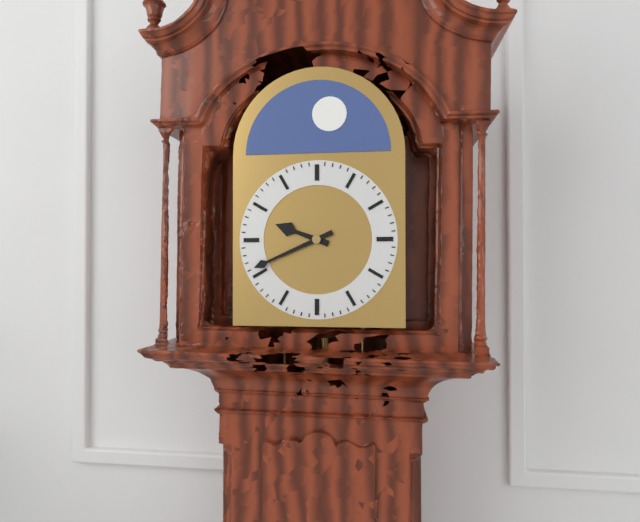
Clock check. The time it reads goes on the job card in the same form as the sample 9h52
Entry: 9h41
